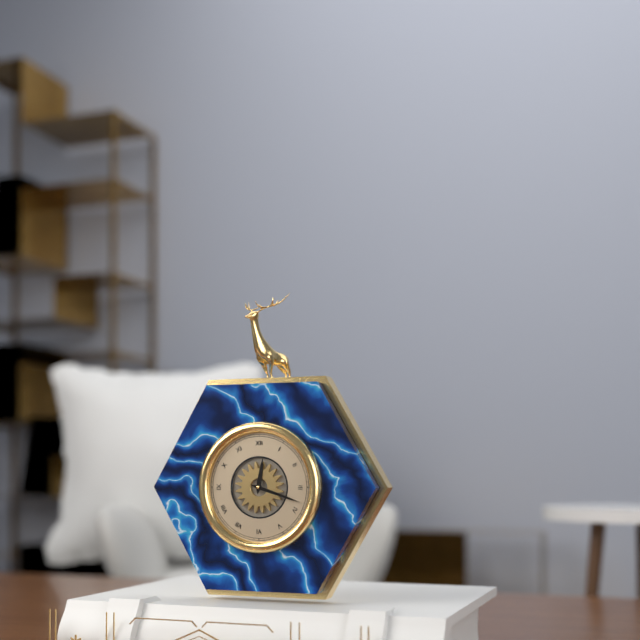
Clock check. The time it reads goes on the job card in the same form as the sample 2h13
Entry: 12h18
